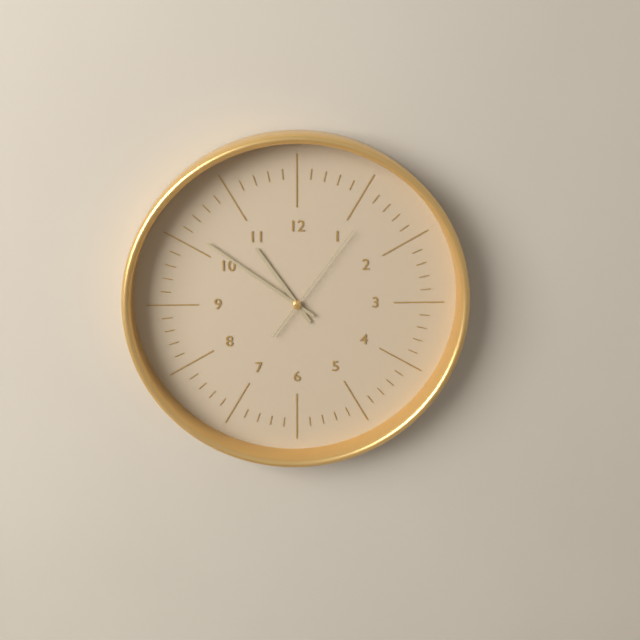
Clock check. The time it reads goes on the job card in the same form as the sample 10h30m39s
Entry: 10h51m06s
